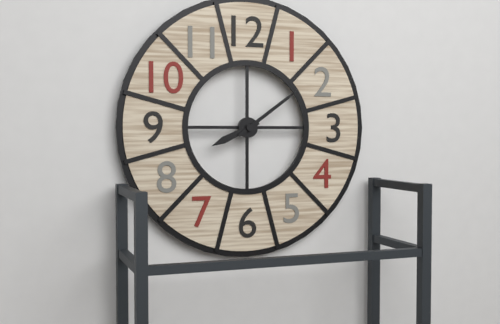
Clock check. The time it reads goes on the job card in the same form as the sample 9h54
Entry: 8h09
